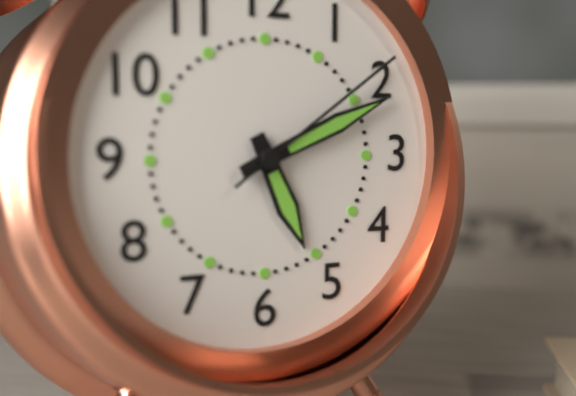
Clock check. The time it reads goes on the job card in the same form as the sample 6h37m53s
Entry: 5h11m09s
